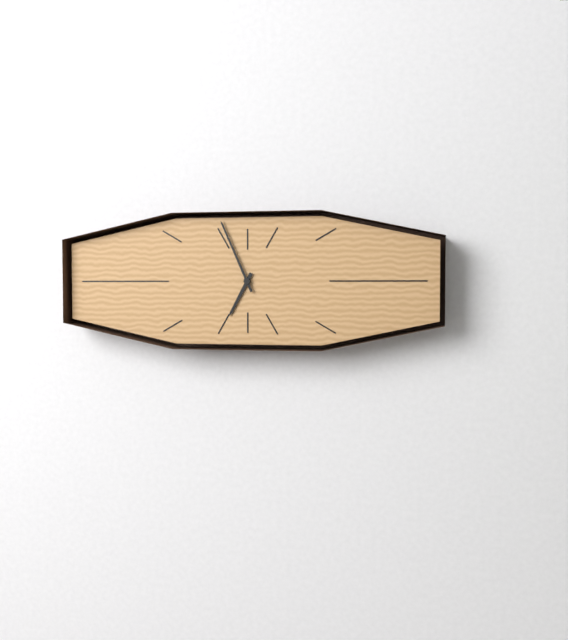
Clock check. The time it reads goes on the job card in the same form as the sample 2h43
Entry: 6h56
